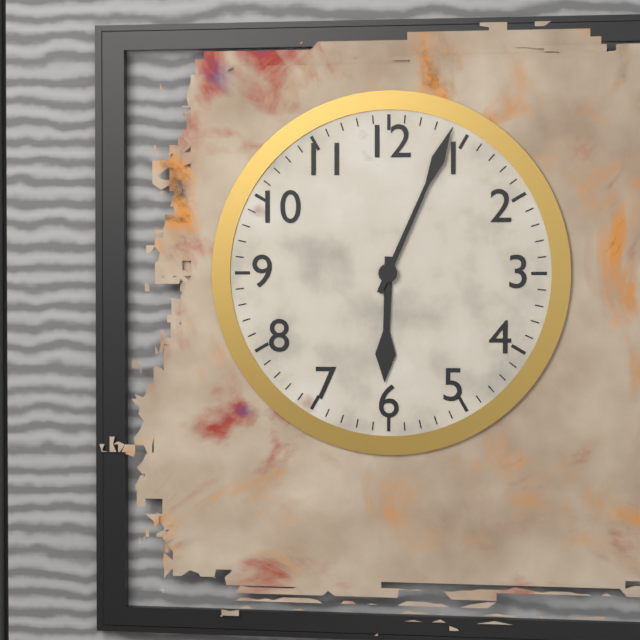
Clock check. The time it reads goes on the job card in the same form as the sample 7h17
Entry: 6h04
